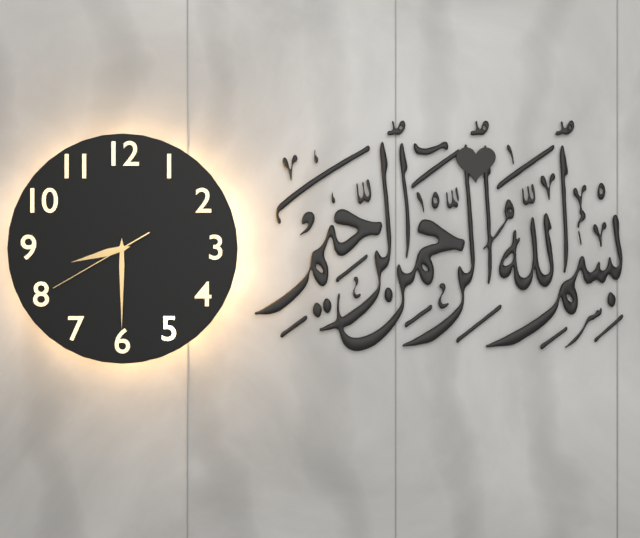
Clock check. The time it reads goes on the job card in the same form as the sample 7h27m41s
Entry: 8h30m40s
